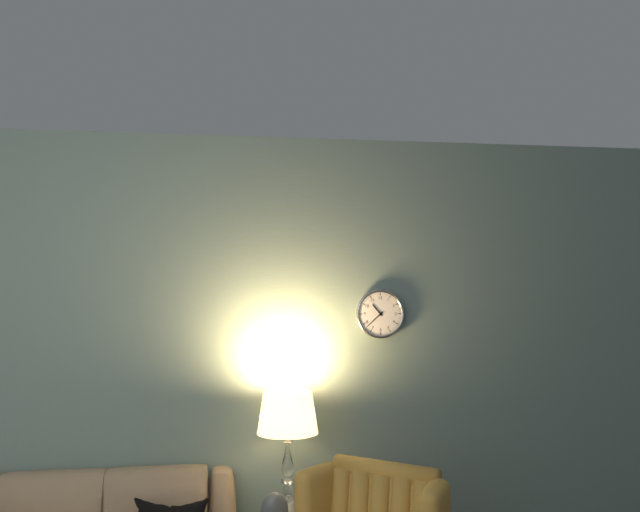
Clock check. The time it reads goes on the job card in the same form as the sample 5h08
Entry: 10h38
